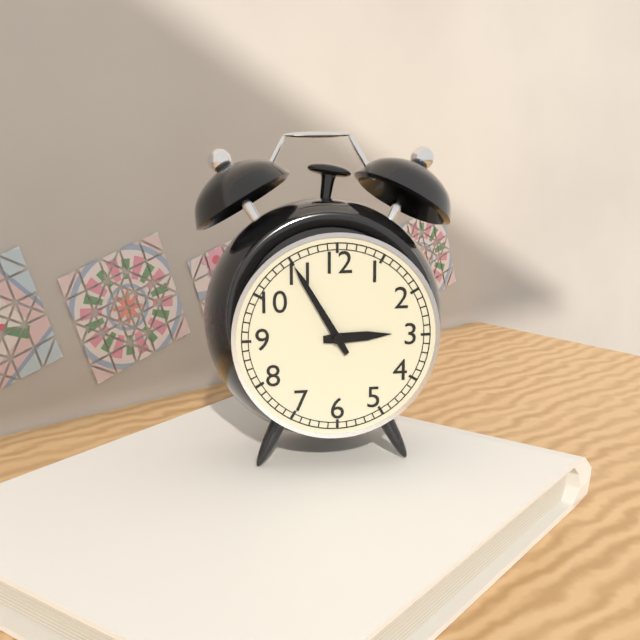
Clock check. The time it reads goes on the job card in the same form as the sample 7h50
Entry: 2h55
